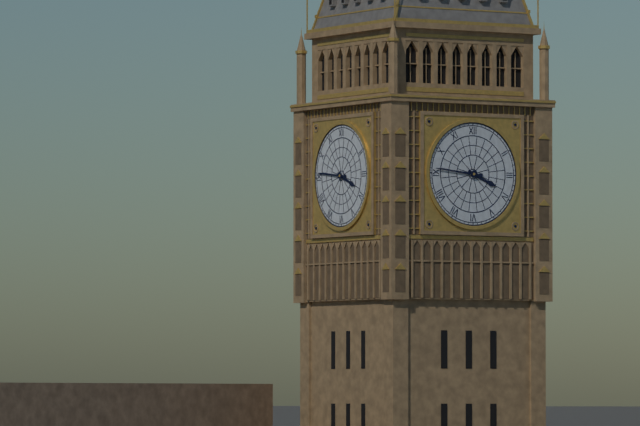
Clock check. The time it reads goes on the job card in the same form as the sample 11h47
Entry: 3h46
